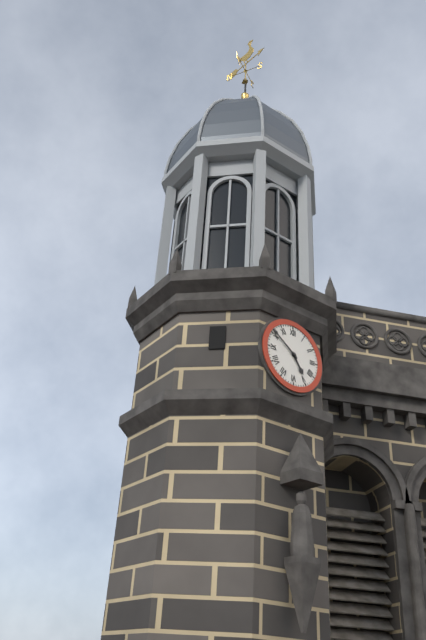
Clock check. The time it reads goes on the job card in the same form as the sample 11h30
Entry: 4h51
